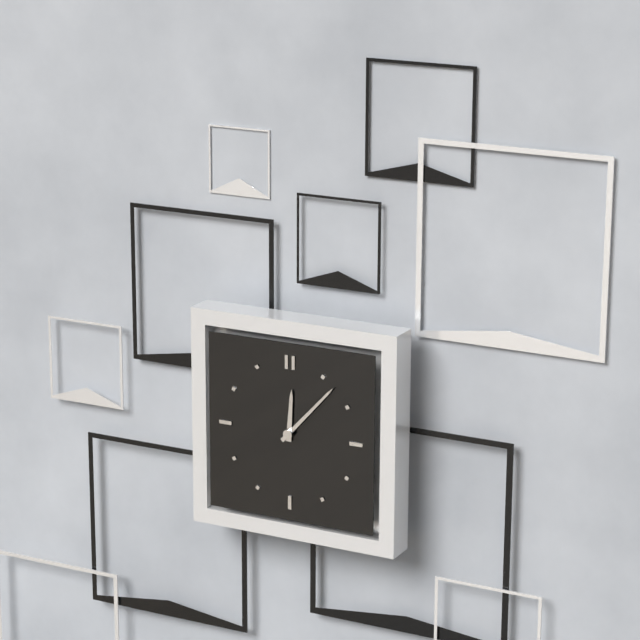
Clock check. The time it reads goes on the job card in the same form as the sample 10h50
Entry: 12h07
